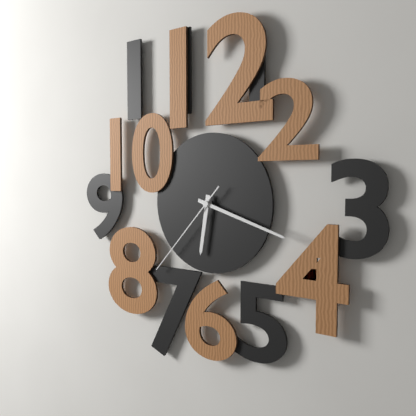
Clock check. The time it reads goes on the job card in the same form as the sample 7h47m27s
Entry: 6h18m37s
